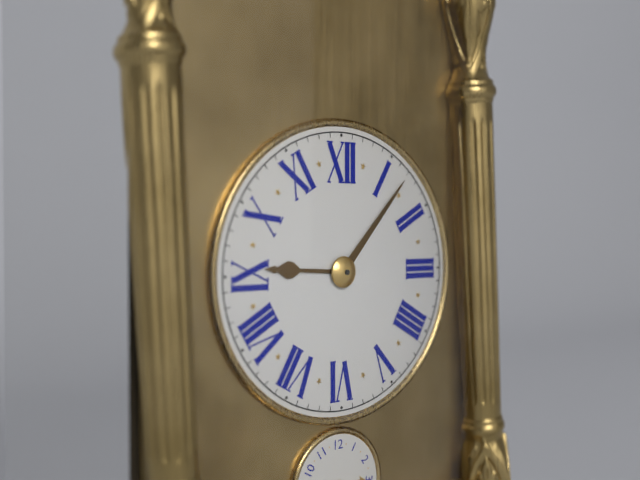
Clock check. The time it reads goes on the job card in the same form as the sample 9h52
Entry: 9h07
